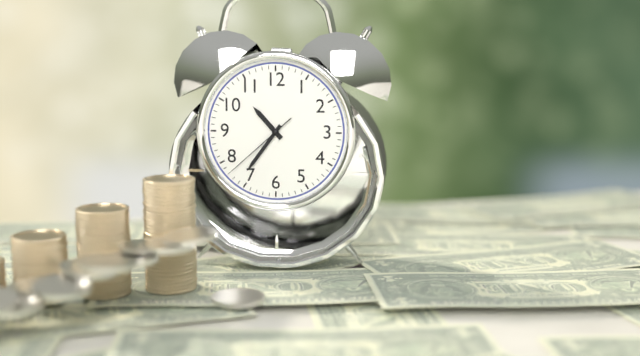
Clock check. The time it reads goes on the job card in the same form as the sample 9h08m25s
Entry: 10h36m38s
